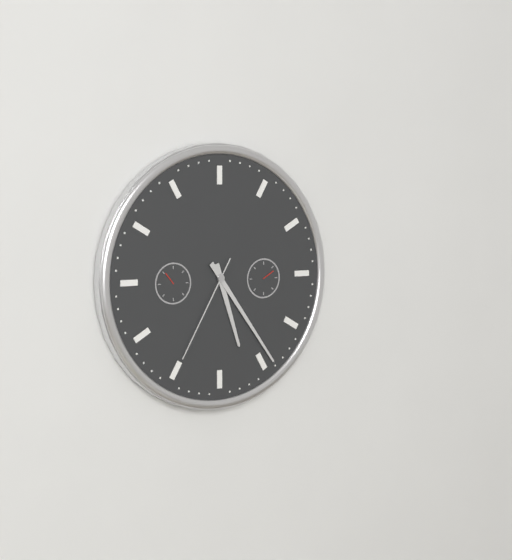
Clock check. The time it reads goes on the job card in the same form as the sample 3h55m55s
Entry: 5h24m35s
